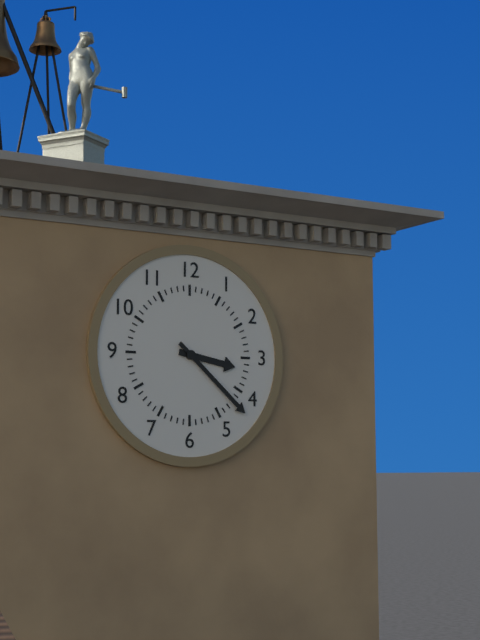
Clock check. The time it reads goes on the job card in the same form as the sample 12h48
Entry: 3h22
